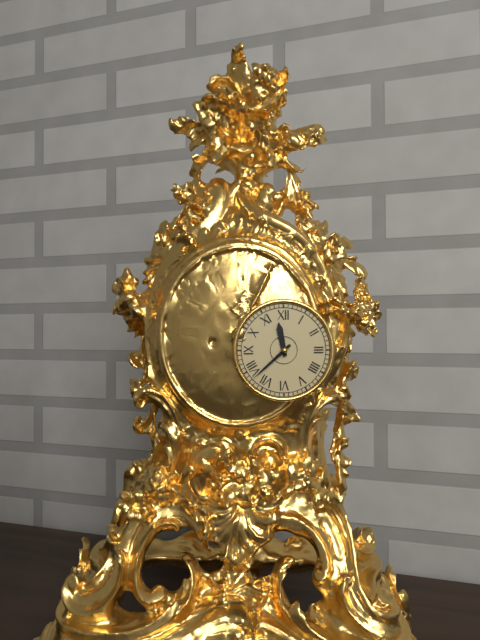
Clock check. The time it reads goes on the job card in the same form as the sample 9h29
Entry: 11h38
